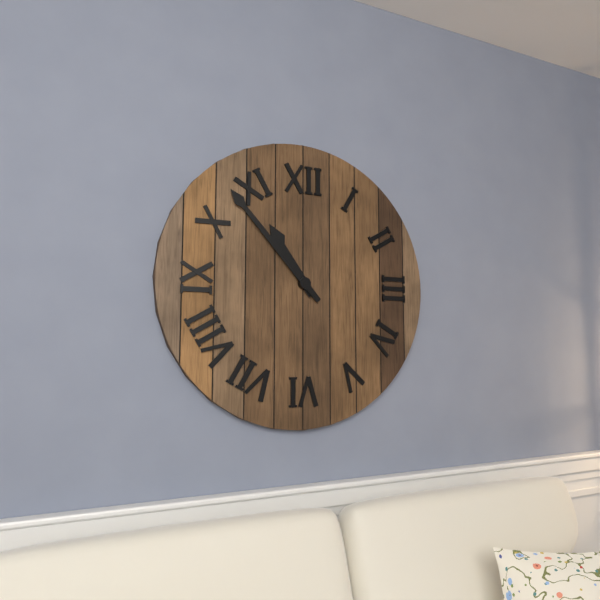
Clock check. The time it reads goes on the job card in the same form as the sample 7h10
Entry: 10h53
